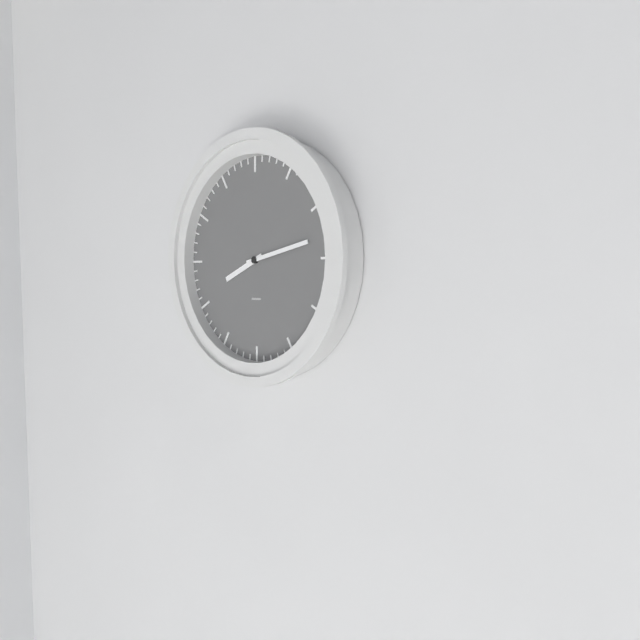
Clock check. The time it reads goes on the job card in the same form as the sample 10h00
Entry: 8h13
